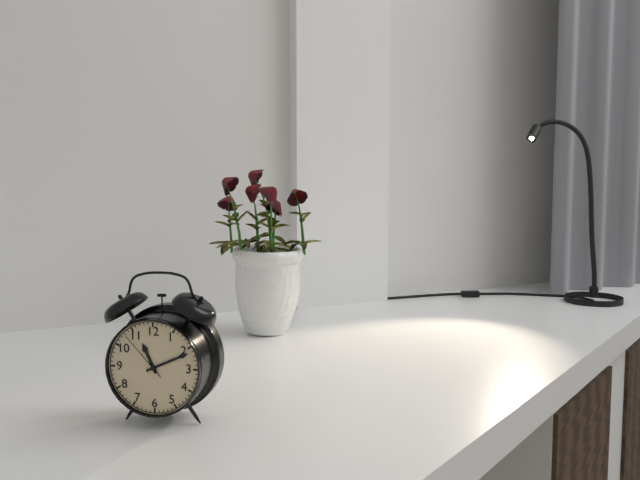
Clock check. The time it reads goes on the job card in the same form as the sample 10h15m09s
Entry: 11h11m53s
